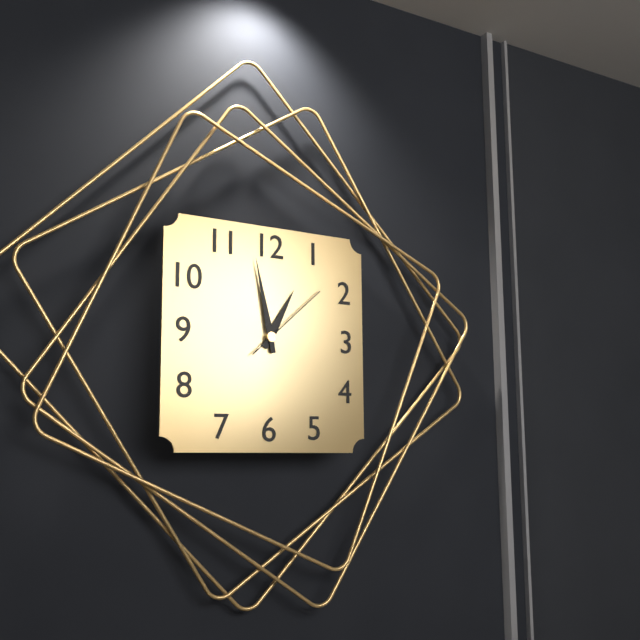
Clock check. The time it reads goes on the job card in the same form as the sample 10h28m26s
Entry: 12h58m08s
